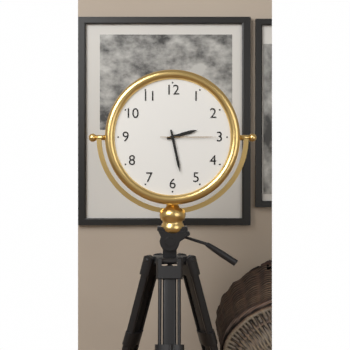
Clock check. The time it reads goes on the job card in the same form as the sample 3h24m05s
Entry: 2h28m15s
